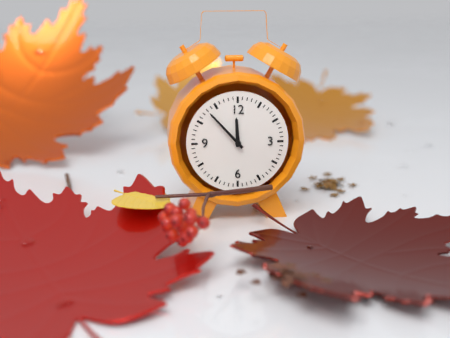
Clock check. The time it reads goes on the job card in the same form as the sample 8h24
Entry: 11h53
